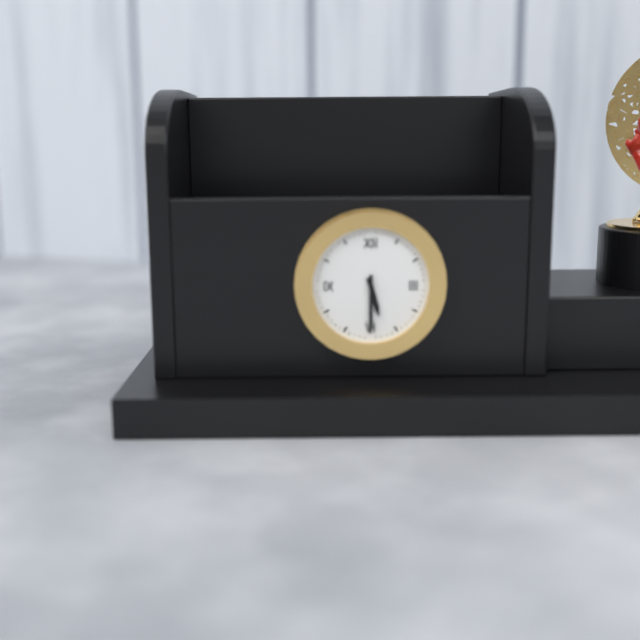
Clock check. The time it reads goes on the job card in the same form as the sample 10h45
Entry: 5h30
